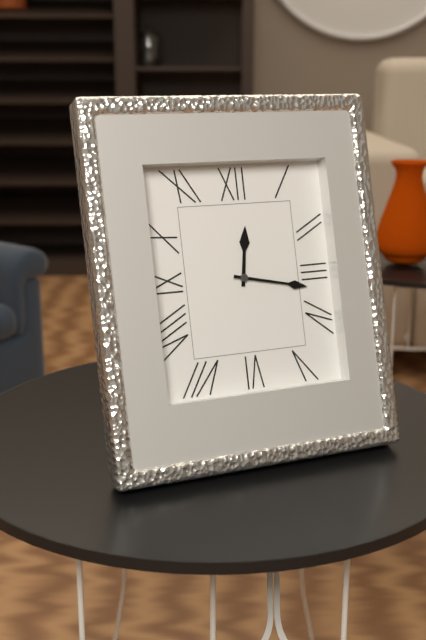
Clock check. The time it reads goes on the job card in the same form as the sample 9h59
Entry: 12h17
